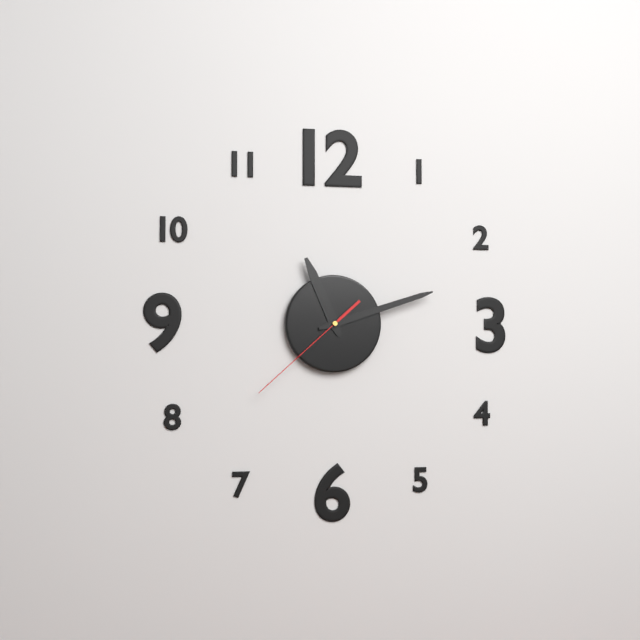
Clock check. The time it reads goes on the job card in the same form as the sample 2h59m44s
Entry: 11h12m38s
